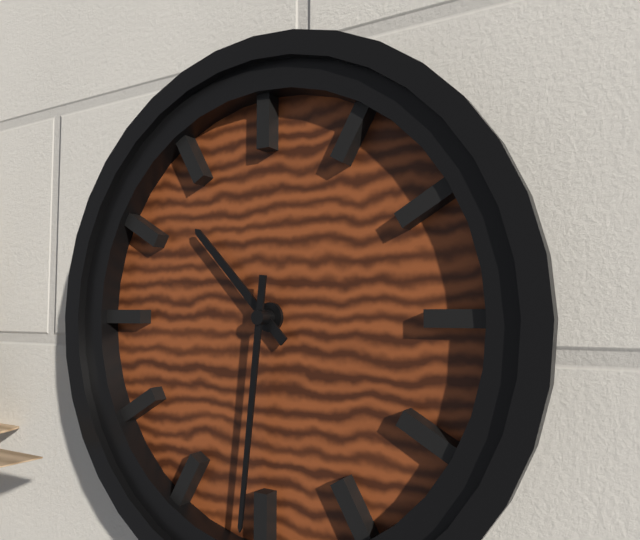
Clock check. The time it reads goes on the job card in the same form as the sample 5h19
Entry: 10h31
